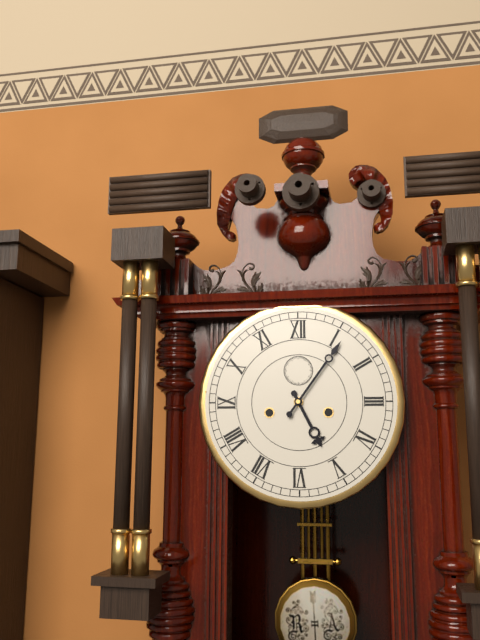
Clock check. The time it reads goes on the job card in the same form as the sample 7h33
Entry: 5h06
